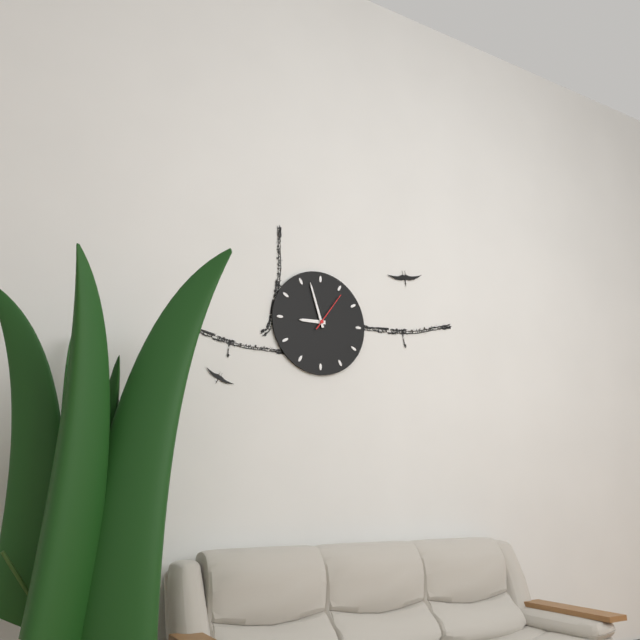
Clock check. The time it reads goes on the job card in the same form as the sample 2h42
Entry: 8h57
